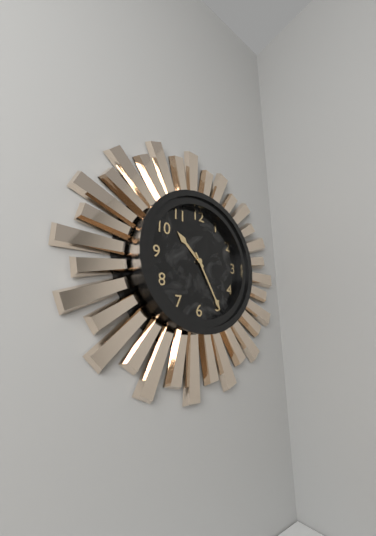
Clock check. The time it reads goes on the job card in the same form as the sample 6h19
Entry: 10h25
